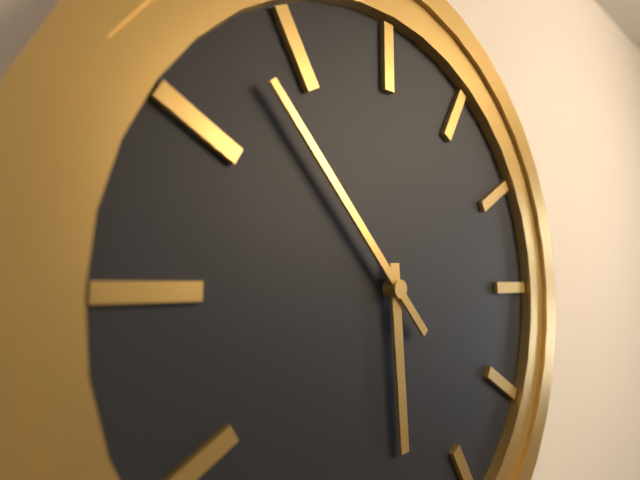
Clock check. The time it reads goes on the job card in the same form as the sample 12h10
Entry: 5h53
